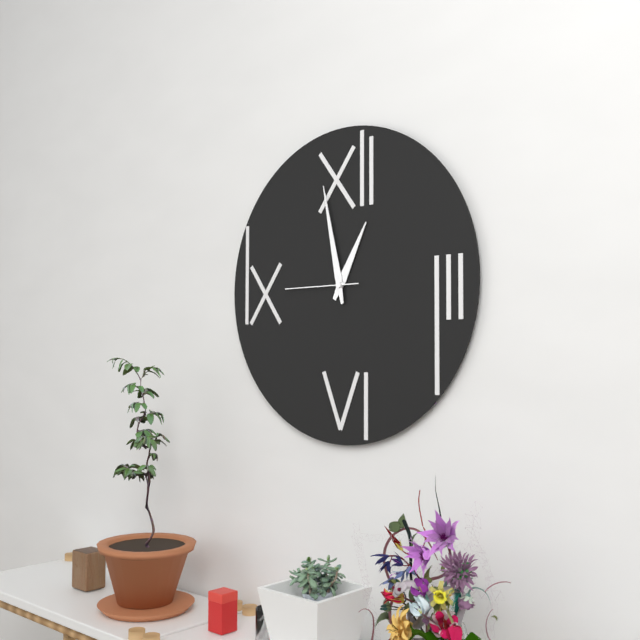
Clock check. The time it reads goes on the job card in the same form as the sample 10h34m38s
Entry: 12h58m45s
